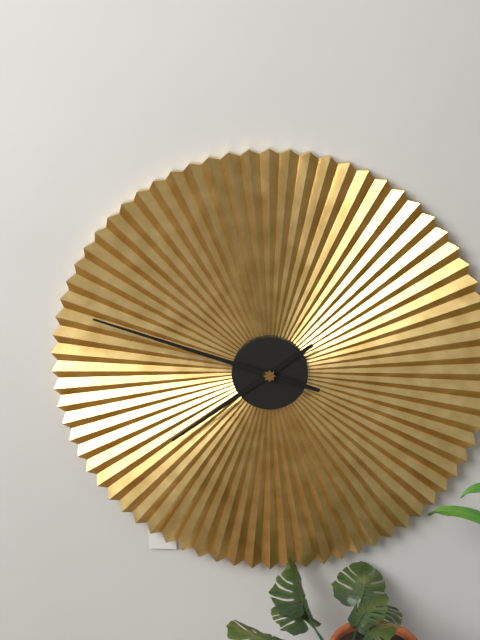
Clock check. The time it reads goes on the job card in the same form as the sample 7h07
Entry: 7h48
